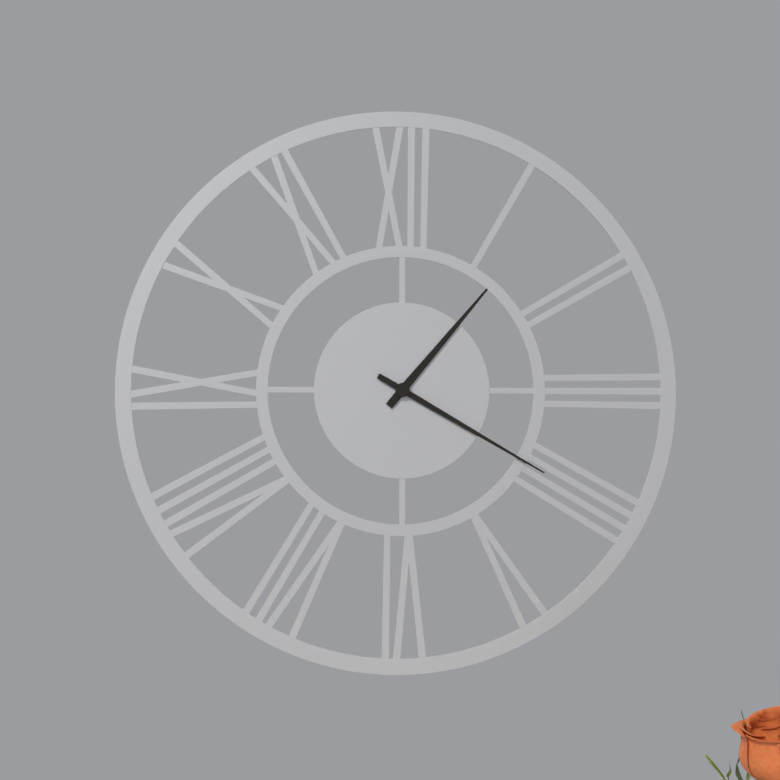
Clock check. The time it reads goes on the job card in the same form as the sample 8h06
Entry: 1h20
